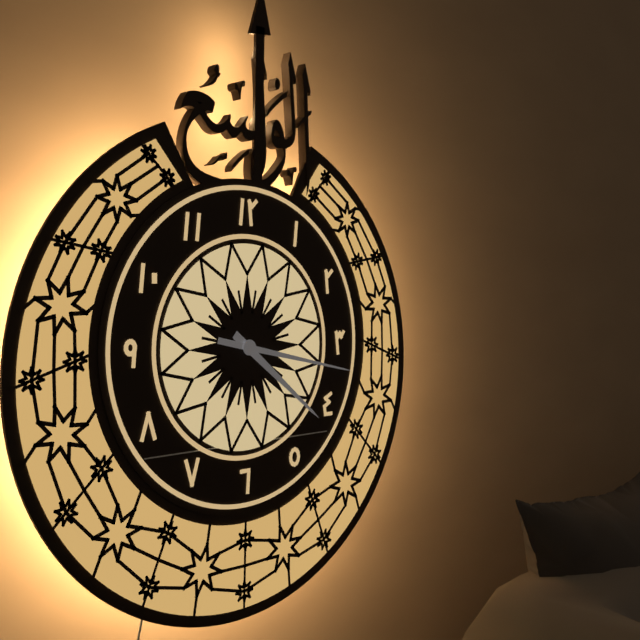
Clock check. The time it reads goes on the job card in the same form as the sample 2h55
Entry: 4h17
